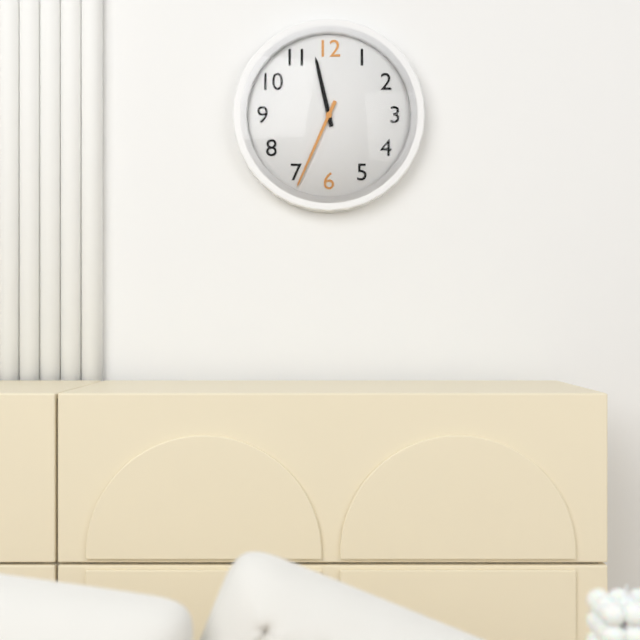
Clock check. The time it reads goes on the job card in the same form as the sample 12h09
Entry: 11h34
